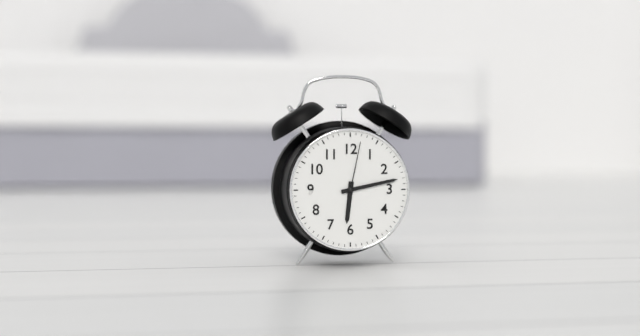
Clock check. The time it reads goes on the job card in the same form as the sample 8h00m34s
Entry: 6h13m02s
